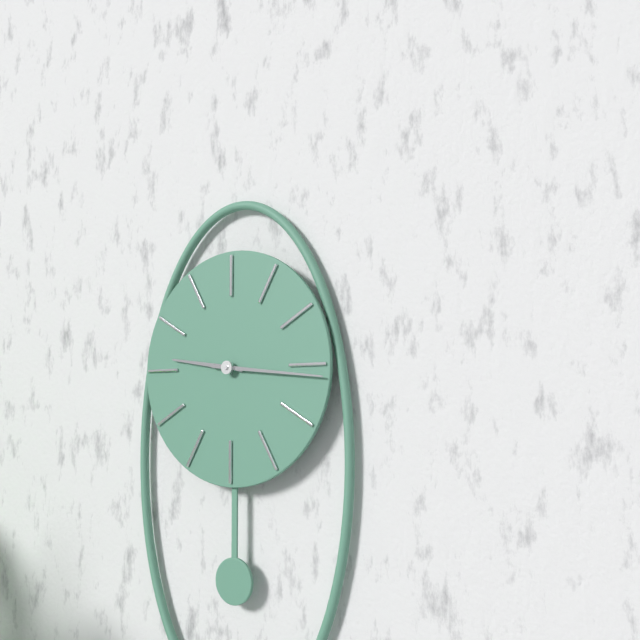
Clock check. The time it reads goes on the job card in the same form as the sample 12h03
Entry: 9h16
